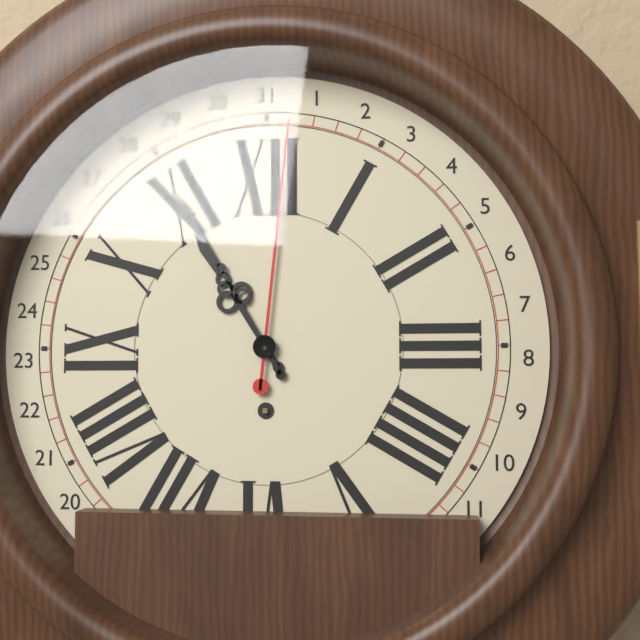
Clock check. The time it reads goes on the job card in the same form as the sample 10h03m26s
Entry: 10h55m01s
